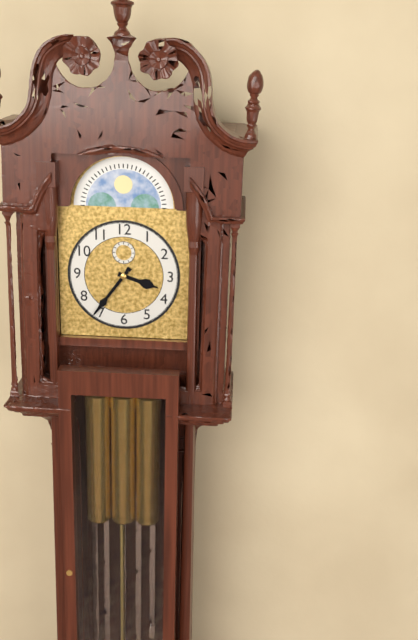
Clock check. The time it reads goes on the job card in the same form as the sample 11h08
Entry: 3h36
